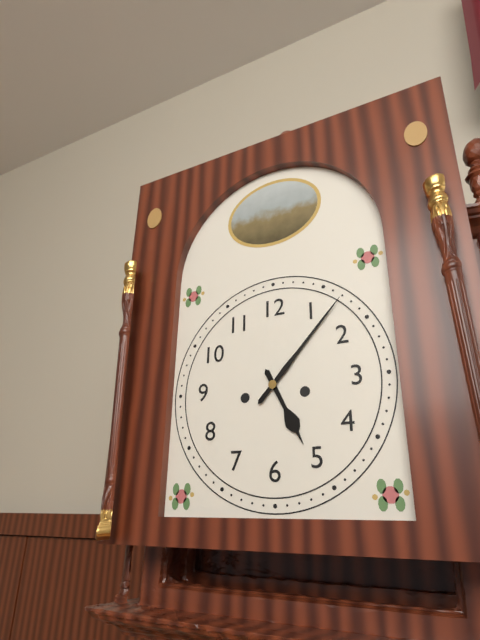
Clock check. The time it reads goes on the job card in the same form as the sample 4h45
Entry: 5h07
